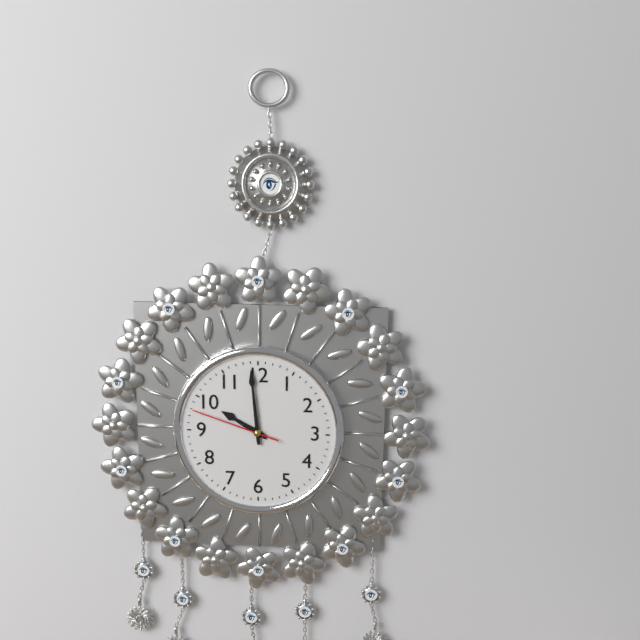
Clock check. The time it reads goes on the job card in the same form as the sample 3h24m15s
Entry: 9h59m48s
